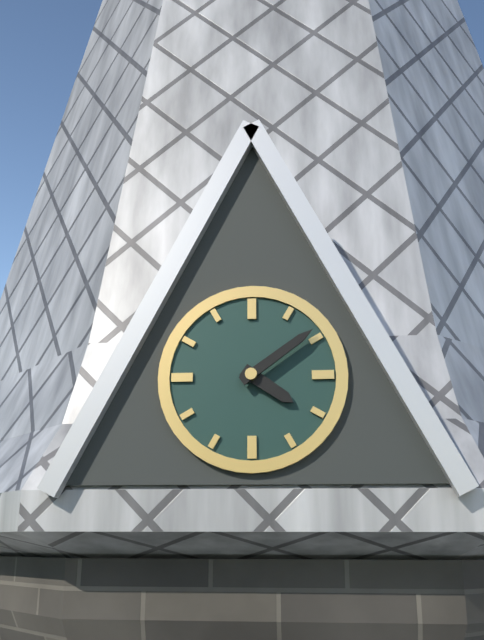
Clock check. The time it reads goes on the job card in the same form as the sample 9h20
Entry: 4h09
